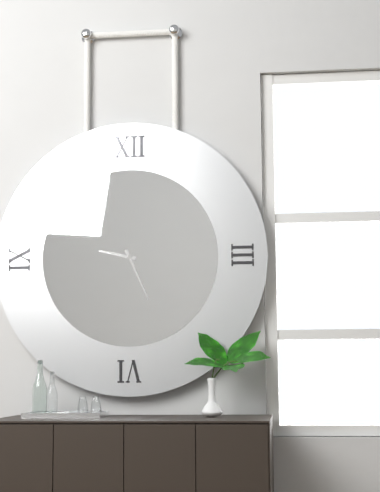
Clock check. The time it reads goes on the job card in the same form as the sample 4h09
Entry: 9h26
